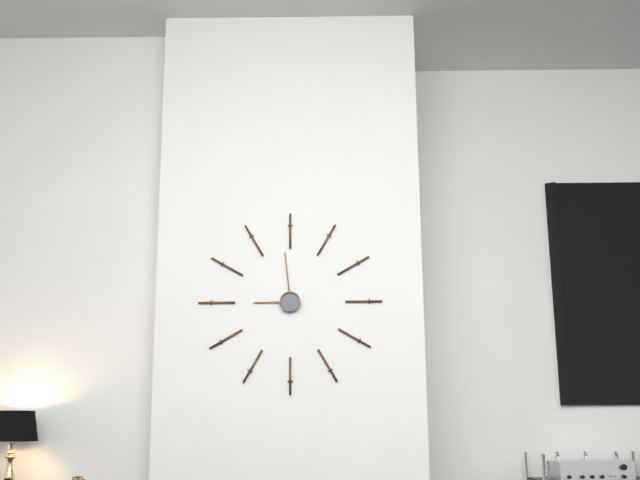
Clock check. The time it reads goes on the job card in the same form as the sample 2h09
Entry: 8h59
